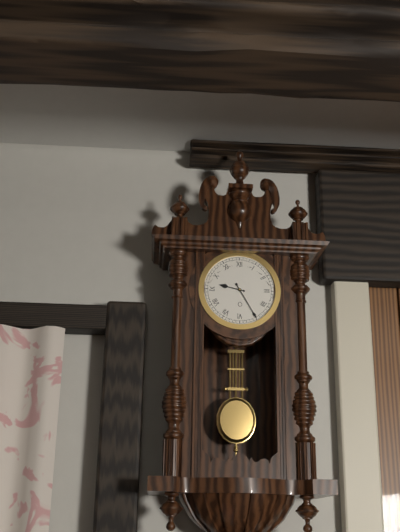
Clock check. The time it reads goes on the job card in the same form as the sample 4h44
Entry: 9h25
